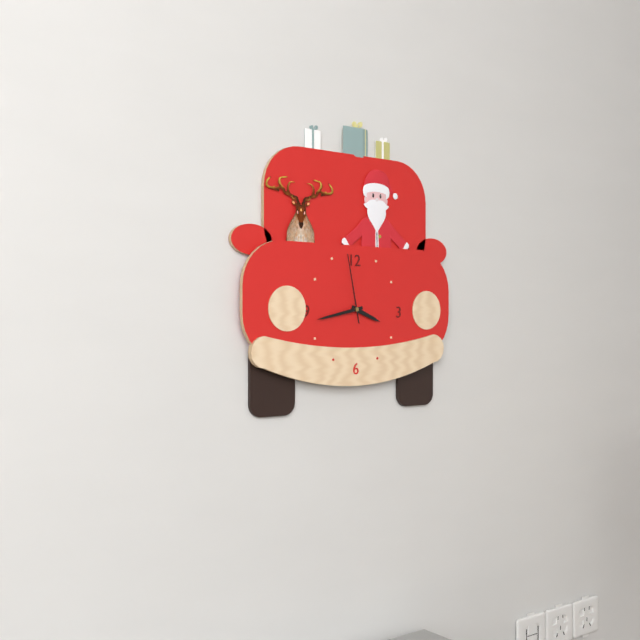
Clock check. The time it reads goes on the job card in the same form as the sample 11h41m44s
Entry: 3h43m58s
